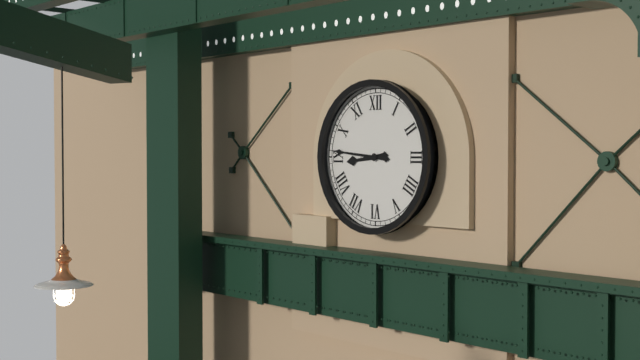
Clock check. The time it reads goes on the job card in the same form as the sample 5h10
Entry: 8h46
